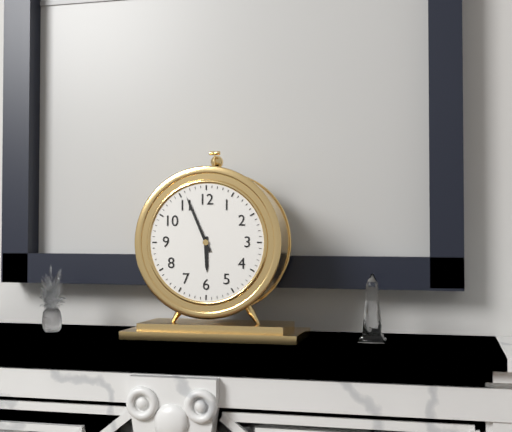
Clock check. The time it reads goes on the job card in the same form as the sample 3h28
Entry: 5h56
